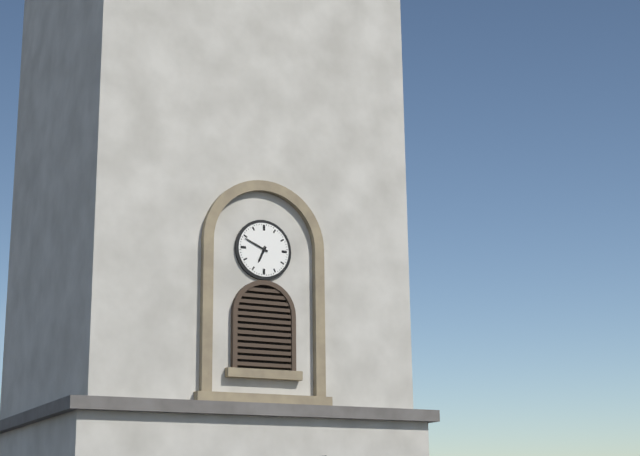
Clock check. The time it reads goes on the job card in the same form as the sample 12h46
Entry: 6h49
